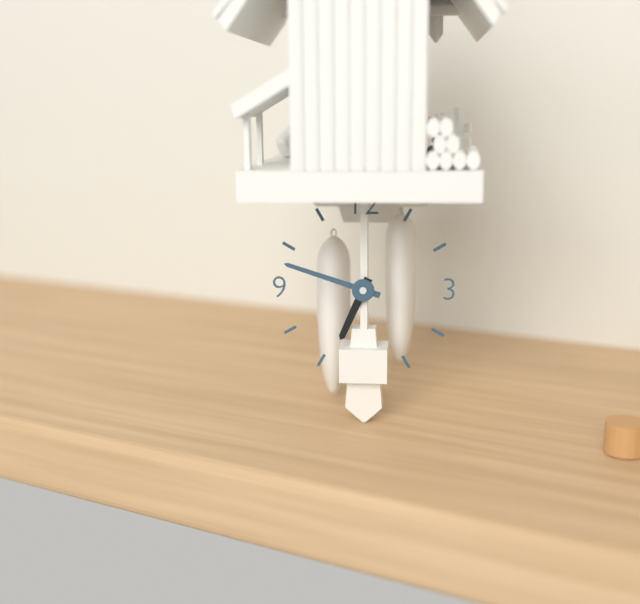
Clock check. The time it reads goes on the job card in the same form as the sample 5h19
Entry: 6h48
